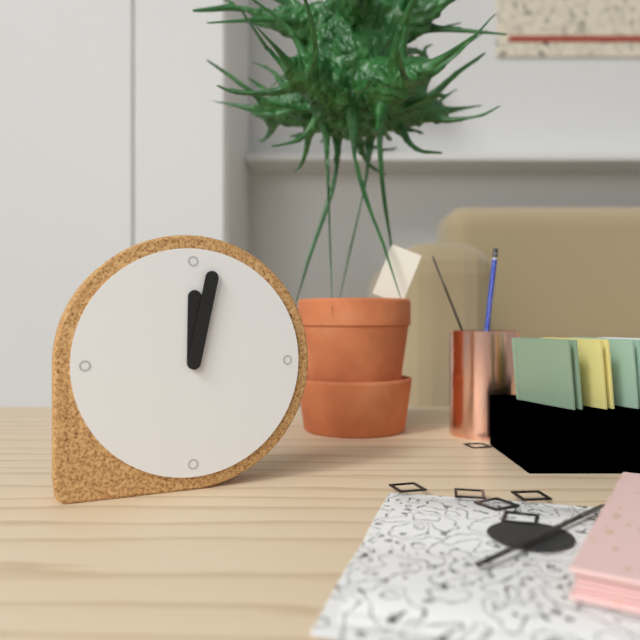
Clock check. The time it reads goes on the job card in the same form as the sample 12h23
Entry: 12h02
